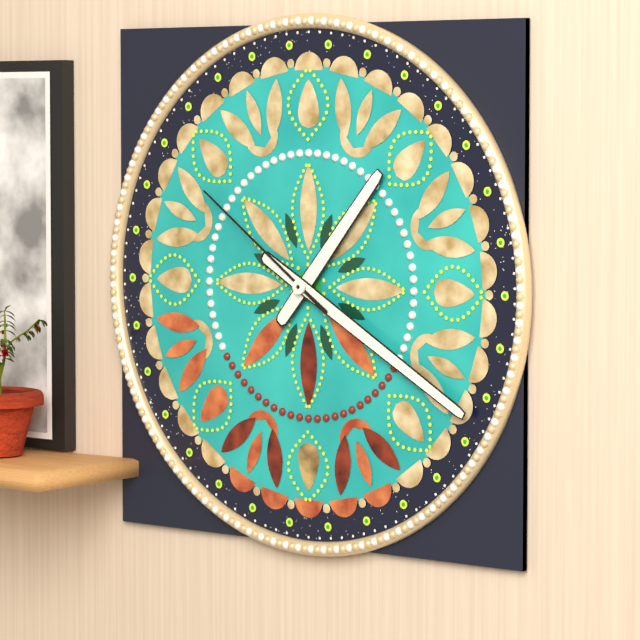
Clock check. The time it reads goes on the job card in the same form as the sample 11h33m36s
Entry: 1h20m51s
